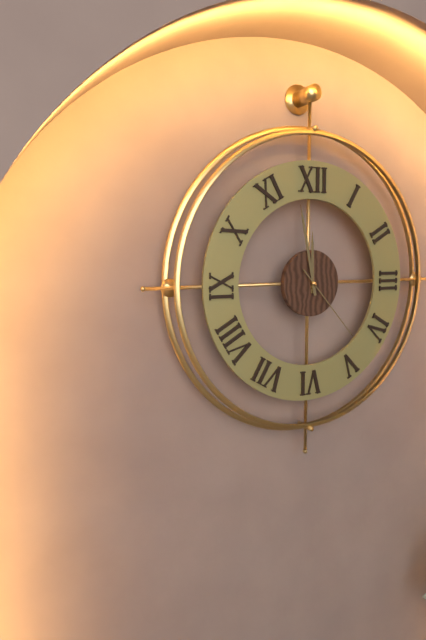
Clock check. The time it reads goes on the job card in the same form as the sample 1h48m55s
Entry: 11h58m23s
